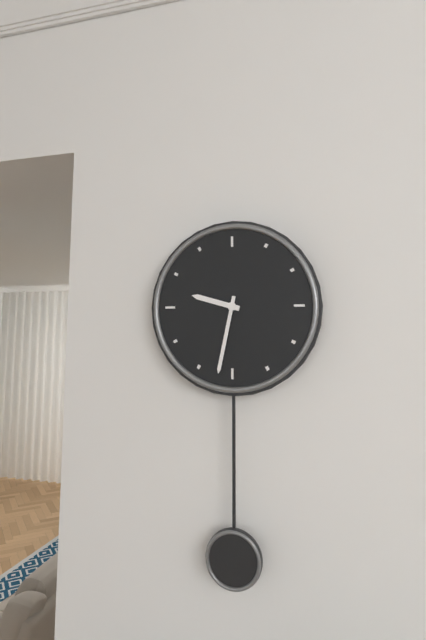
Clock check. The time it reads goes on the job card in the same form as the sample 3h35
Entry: 9h32
